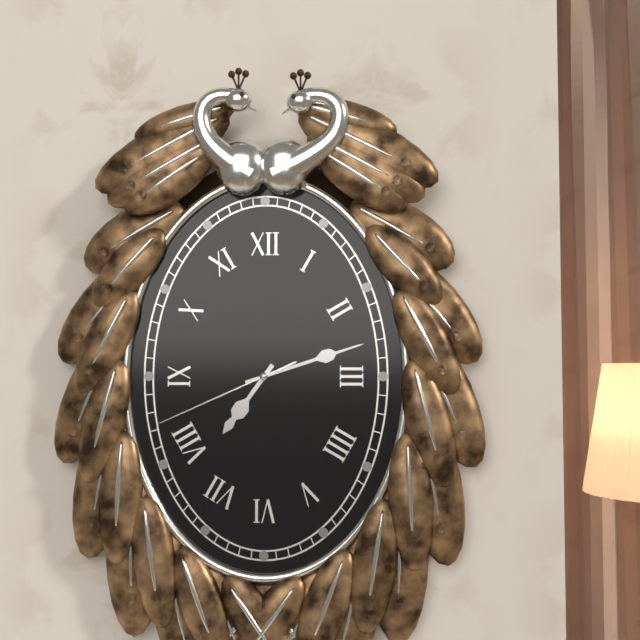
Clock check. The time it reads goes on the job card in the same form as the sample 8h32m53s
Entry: 7h12m41s
